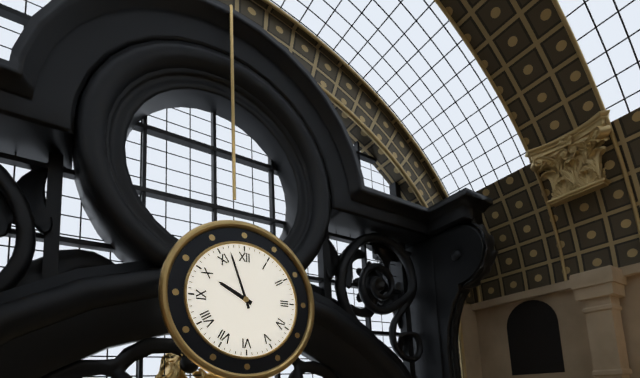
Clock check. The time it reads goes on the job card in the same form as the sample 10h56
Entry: 9h57
